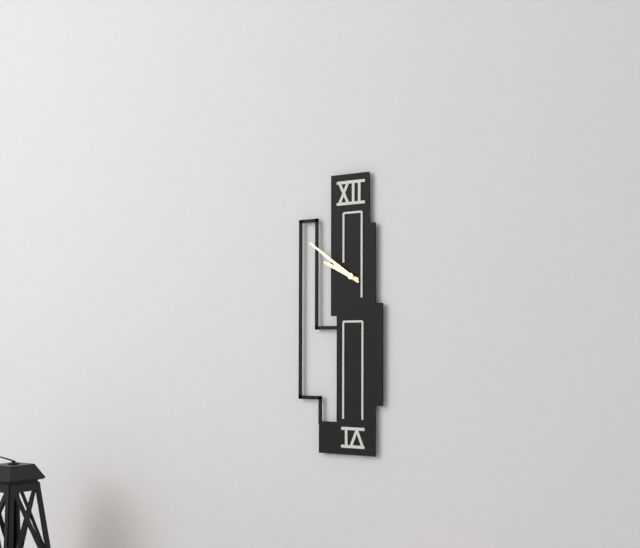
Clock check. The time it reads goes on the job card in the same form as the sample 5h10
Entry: 9h51
